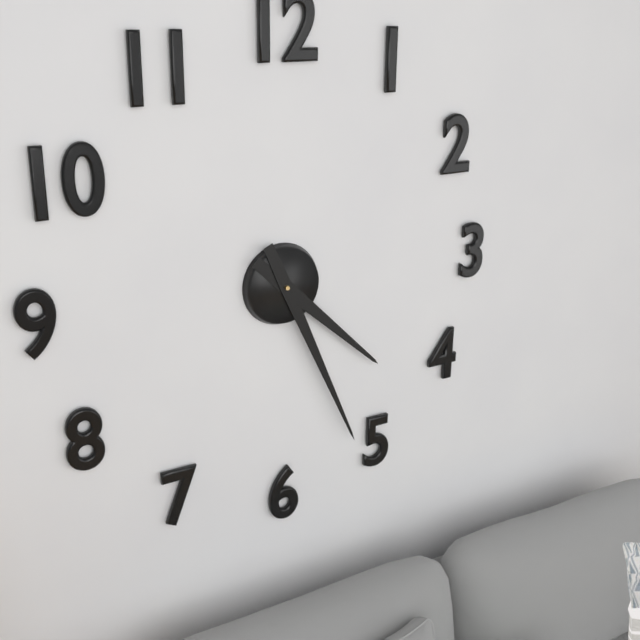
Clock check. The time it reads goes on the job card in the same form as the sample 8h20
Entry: 4h26
